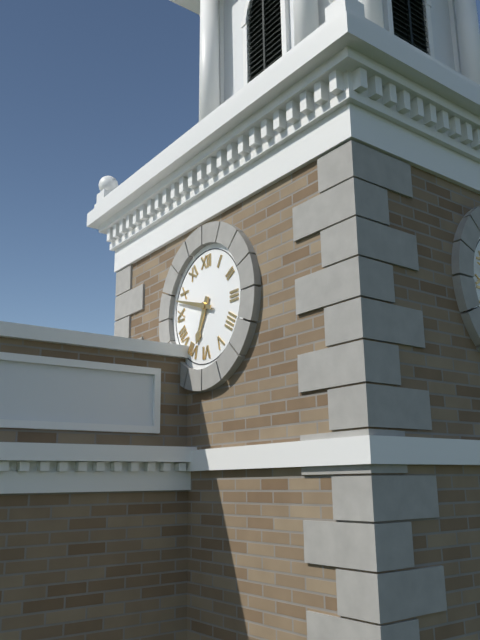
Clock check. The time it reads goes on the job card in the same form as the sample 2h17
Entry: 6h48
